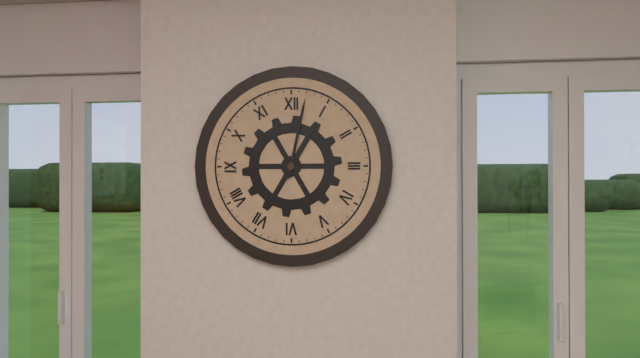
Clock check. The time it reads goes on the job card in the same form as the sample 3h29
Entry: 1h02
